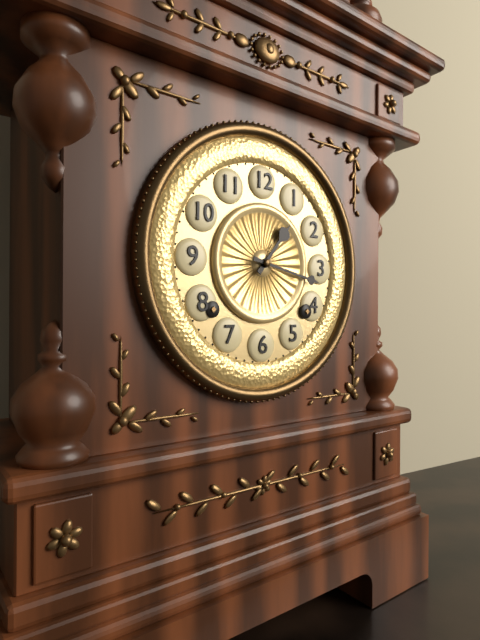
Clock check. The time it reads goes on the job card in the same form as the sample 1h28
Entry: 1h17
